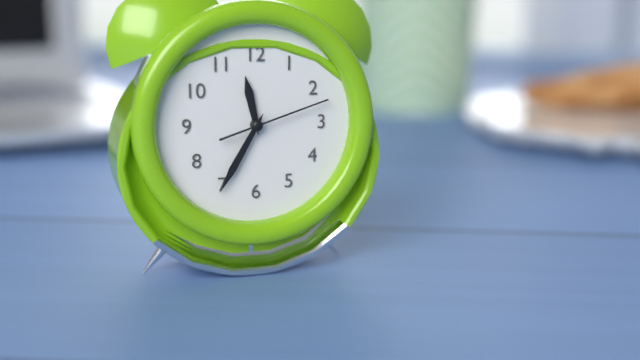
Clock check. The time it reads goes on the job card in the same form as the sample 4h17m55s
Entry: 11h35m12s
